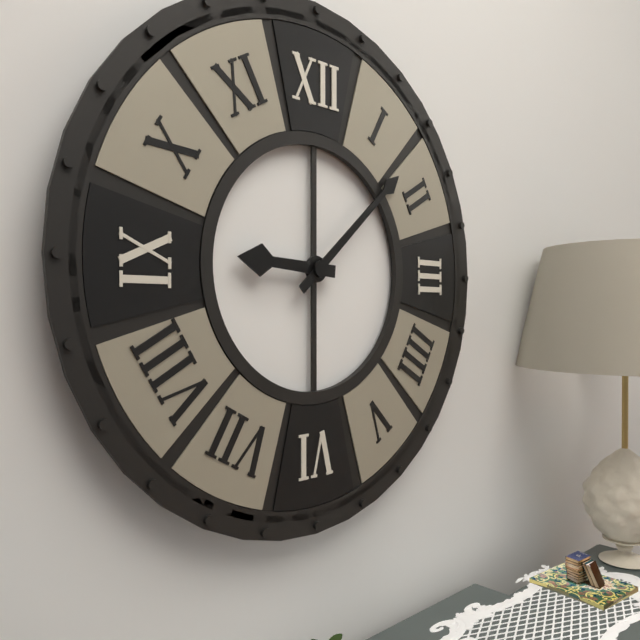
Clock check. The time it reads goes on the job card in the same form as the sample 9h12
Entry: 9h08
